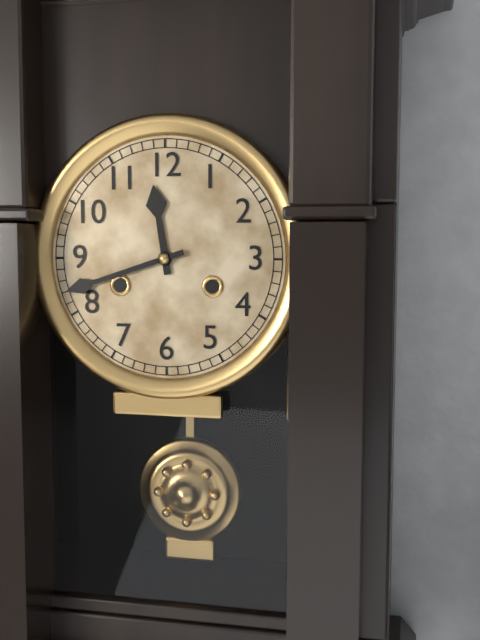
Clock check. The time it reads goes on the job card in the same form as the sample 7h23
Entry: 11h42
